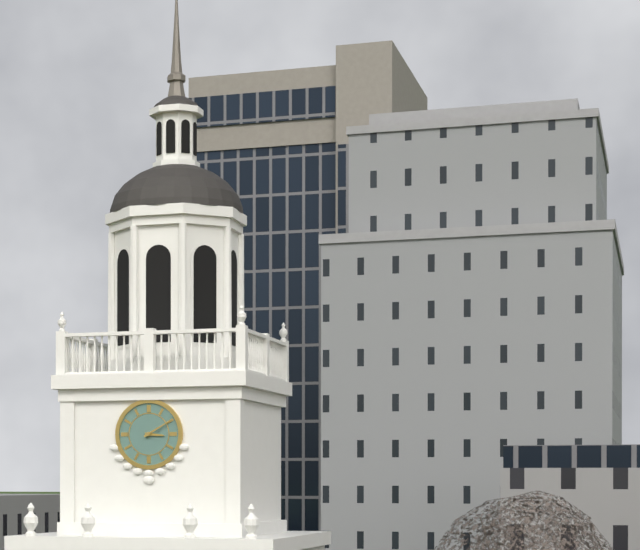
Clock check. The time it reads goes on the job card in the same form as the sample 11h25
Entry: 3h10
